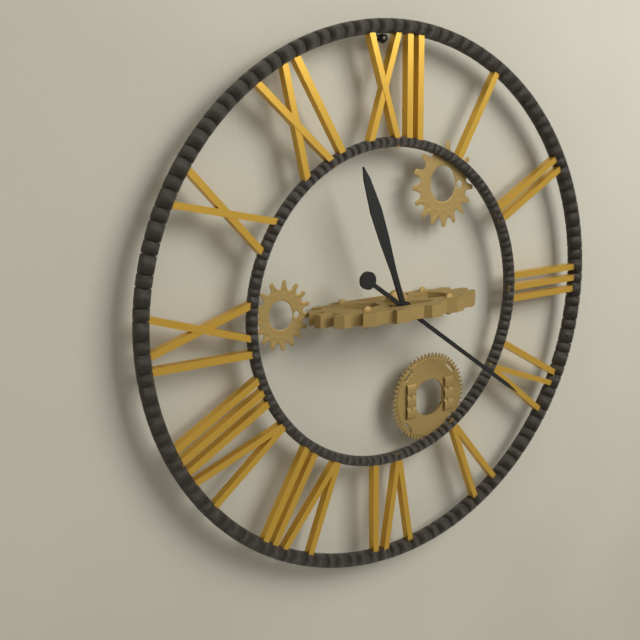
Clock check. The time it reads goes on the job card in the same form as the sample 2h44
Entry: 11h21
